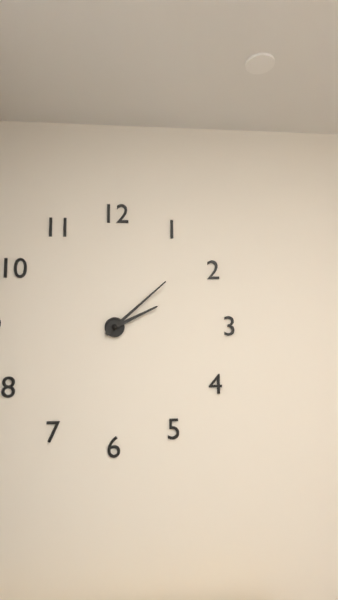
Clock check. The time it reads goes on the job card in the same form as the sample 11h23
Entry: 2h08
